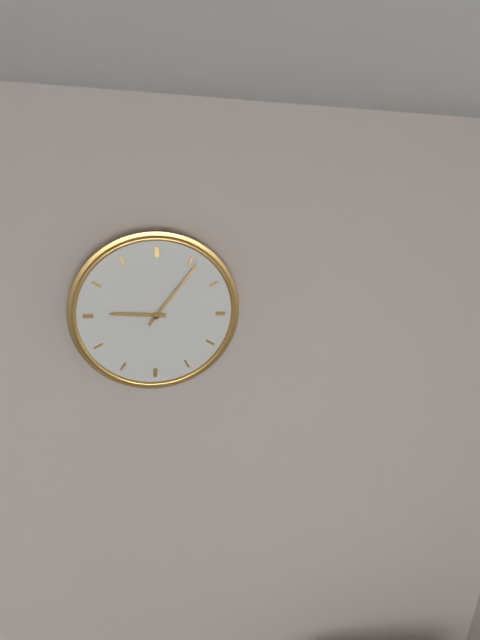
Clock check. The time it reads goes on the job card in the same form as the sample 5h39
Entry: 9h06
